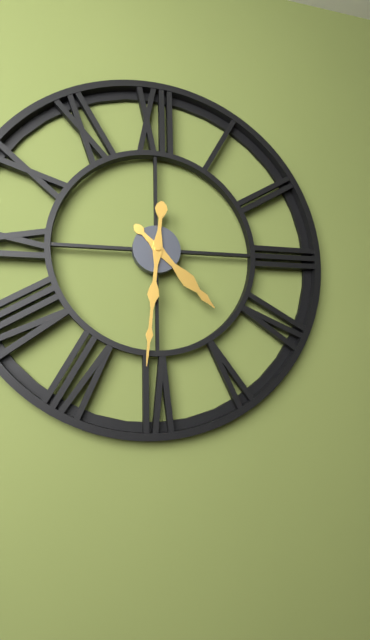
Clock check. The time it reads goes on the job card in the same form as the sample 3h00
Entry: 4h31
